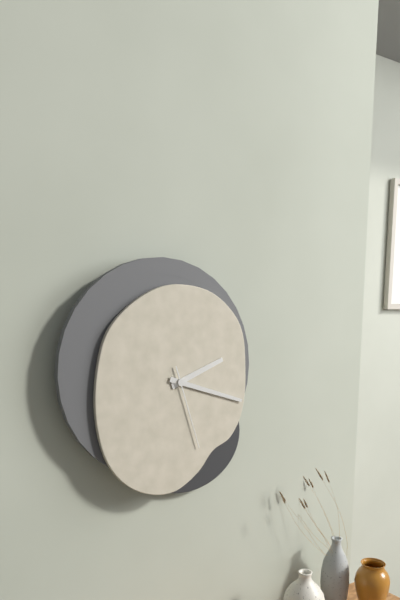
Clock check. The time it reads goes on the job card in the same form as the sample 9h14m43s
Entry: 2h18m27s
